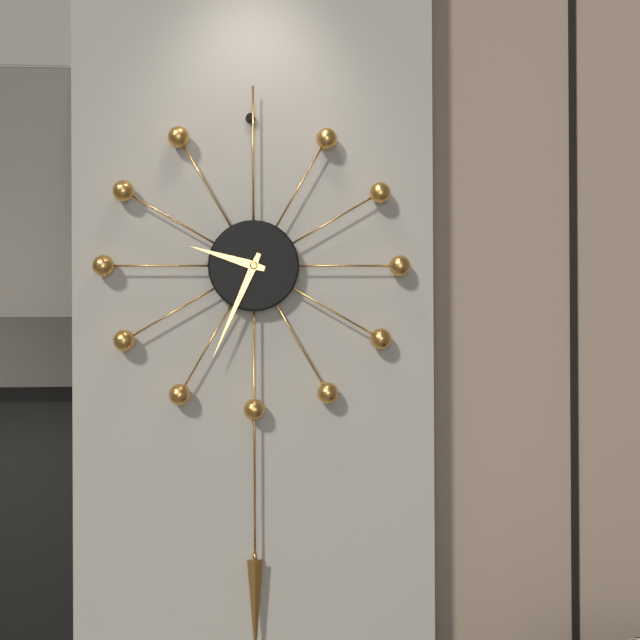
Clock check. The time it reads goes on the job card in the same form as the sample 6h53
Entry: 9h34
